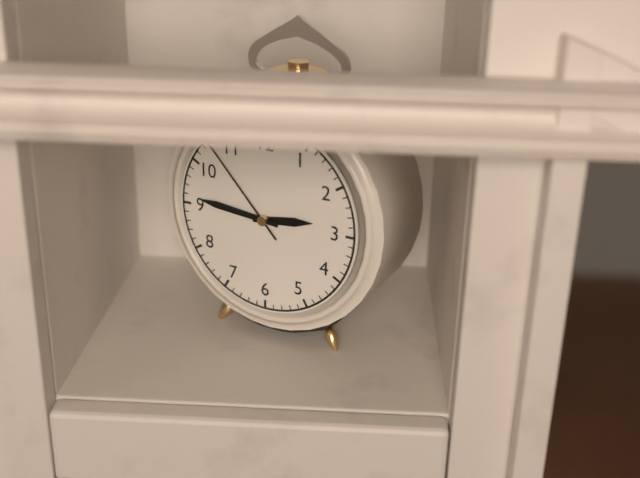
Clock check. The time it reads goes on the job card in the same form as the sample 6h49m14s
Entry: 2h46m53s
